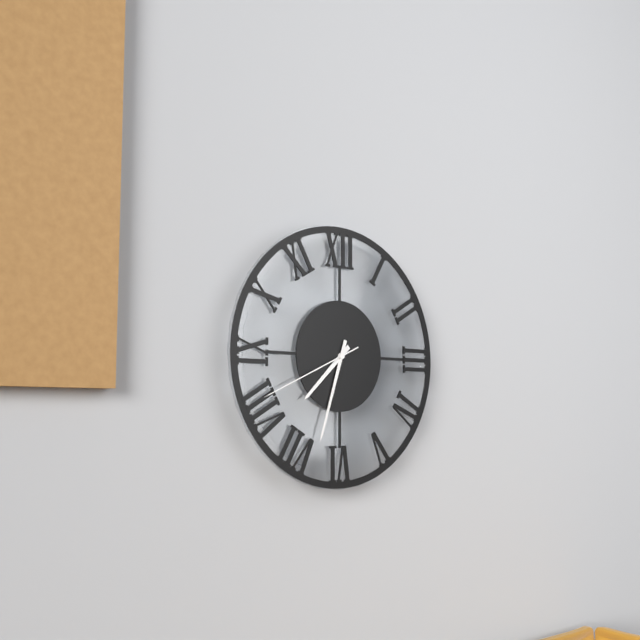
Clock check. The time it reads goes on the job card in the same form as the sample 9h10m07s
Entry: 7h33m41s
